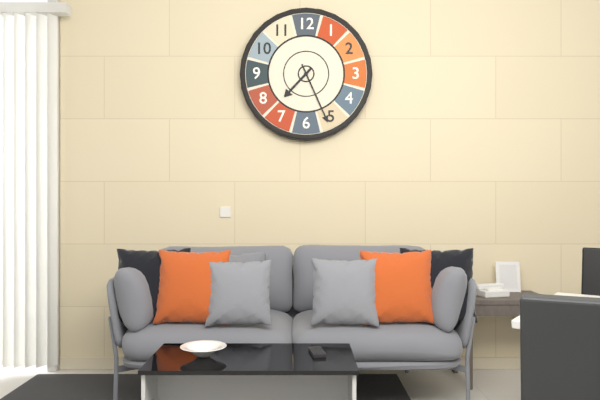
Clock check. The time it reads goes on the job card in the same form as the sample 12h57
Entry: 7h26
